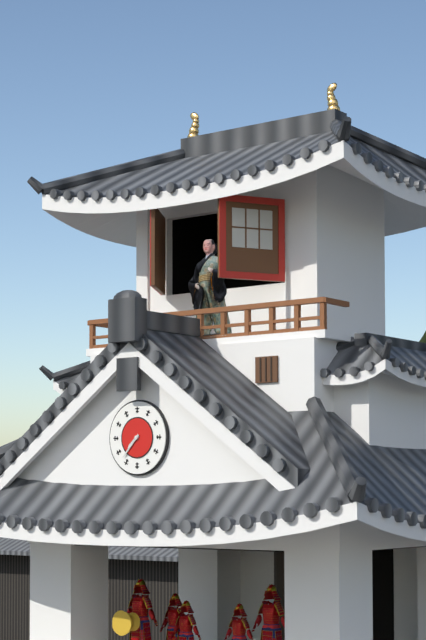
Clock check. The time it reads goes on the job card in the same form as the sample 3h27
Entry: 7h37
